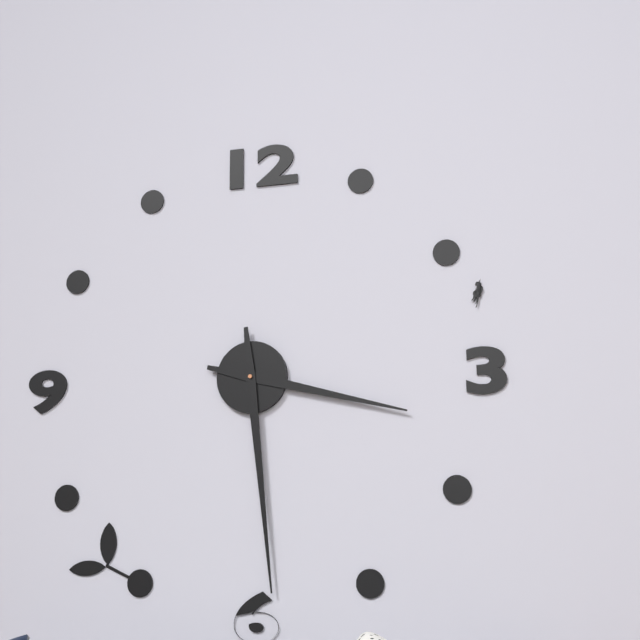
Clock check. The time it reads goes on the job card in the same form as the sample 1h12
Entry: 3h29
